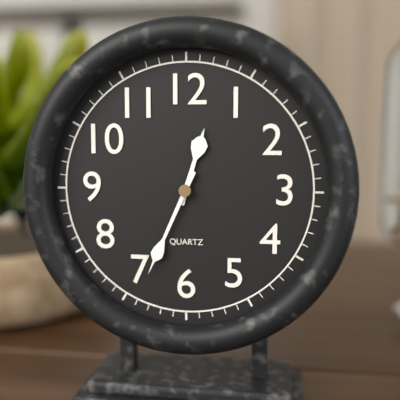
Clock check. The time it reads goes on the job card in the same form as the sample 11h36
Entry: 12h34
